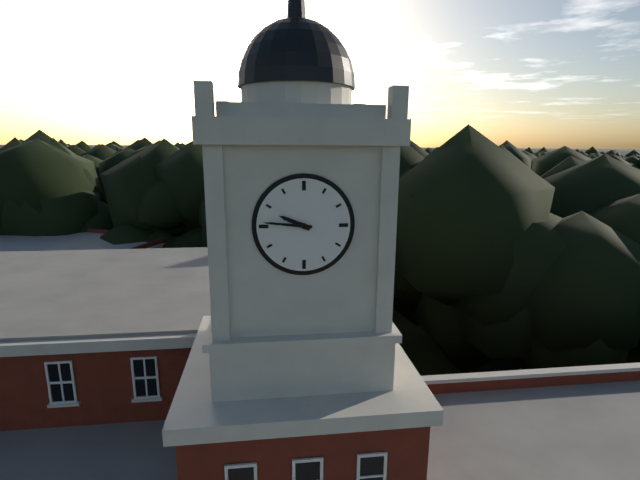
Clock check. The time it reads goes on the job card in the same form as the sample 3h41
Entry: 9h46
